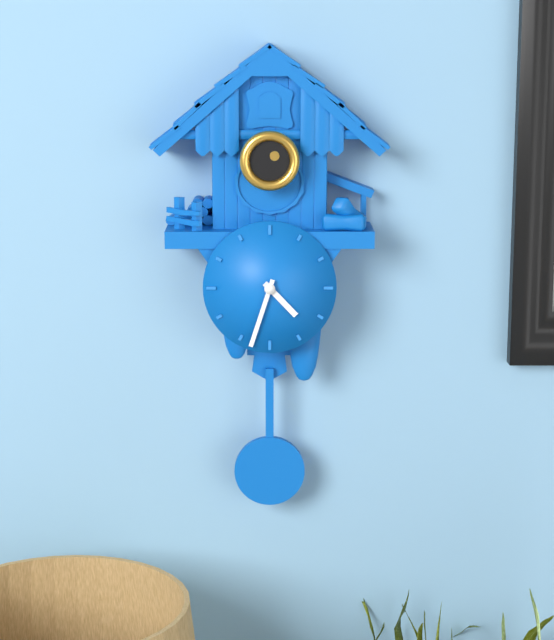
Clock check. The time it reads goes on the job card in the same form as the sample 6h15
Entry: 4h33
